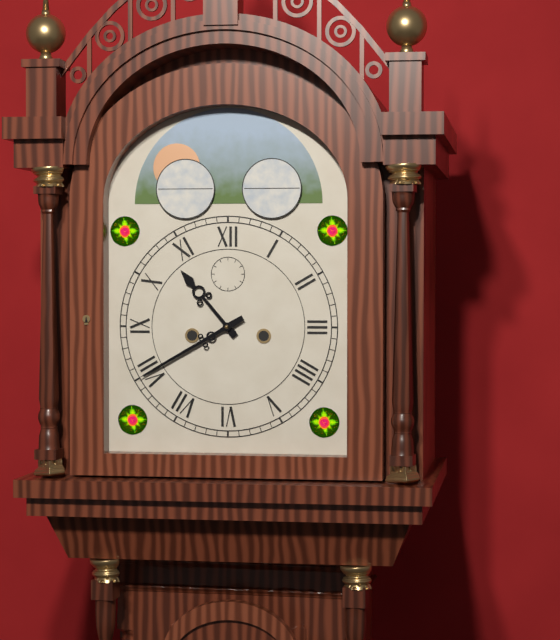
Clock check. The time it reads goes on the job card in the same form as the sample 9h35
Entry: 10h40
